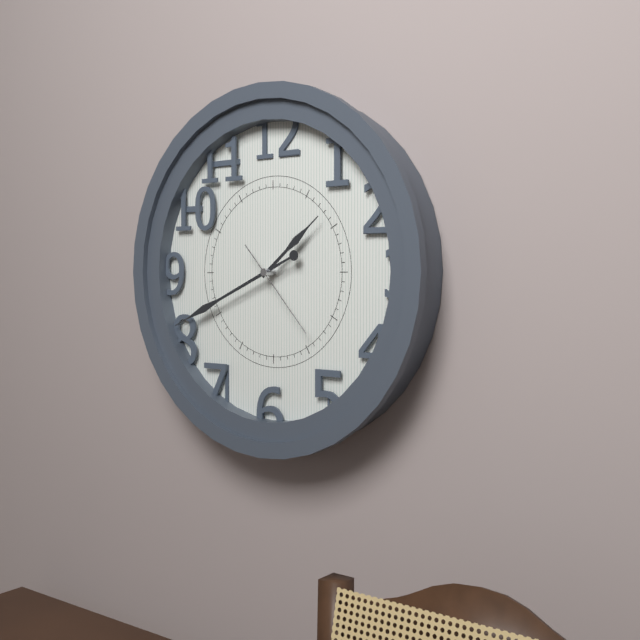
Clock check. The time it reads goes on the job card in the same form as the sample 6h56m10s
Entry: 1h41m23s
